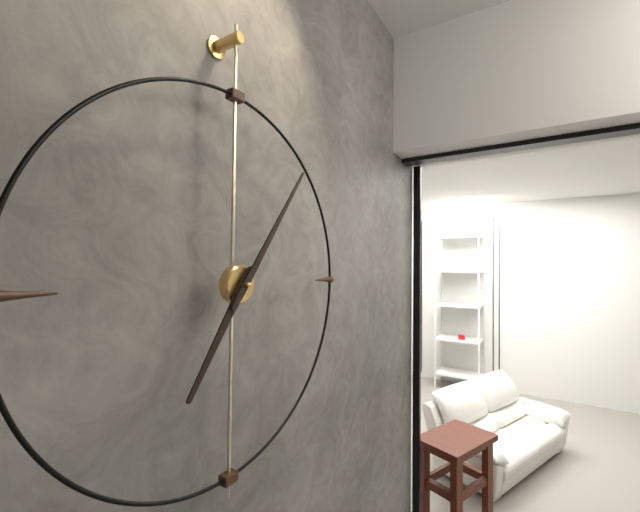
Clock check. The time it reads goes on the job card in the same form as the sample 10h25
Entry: 7h06
